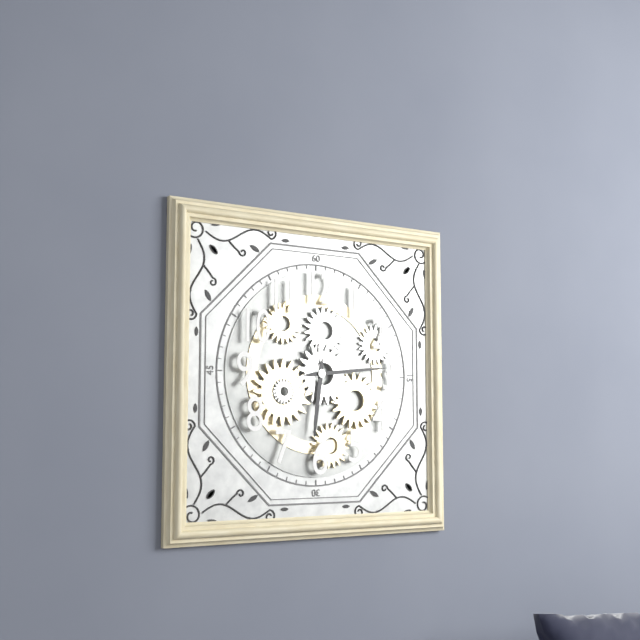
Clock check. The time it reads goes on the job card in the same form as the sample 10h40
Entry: 6h14
